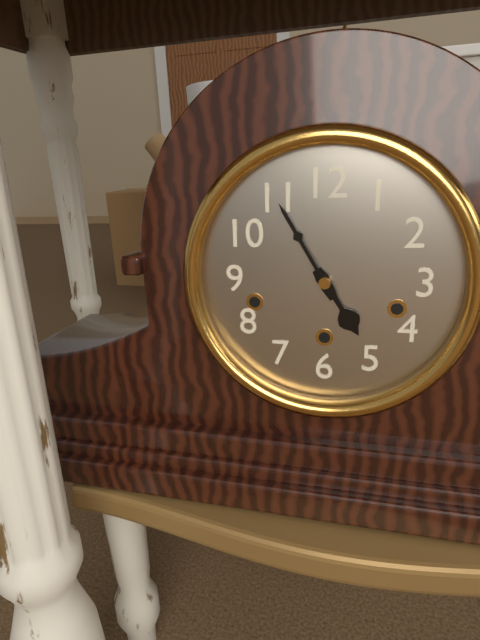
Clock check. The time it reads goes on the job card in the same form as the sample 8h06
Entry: 4h55
